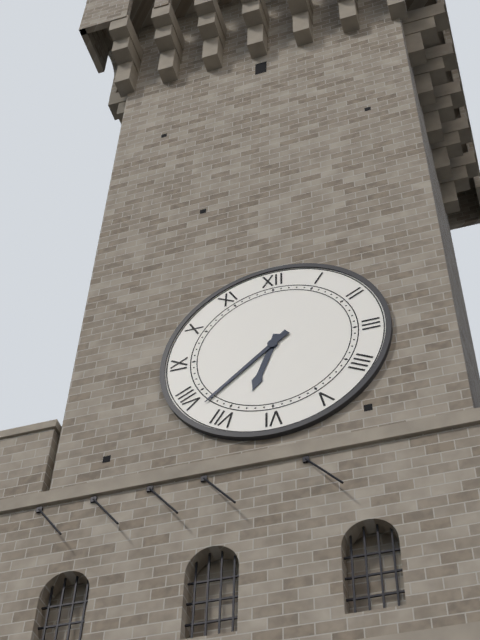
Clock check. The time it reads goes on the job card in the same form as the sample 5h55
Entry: 6h38
